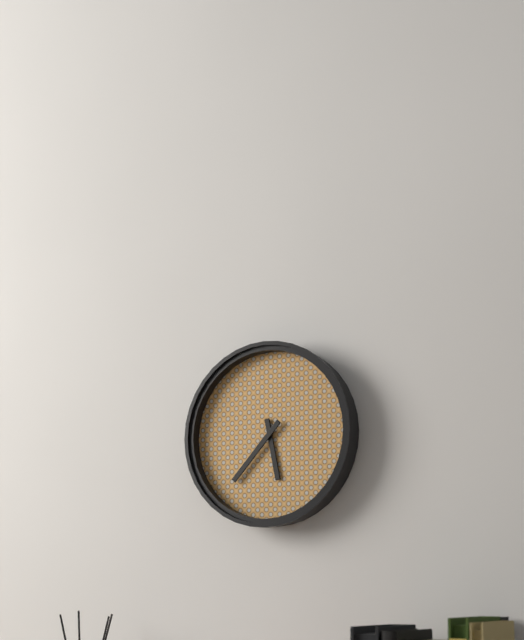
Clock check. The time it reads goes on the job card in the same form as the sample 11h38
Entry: 5h37
